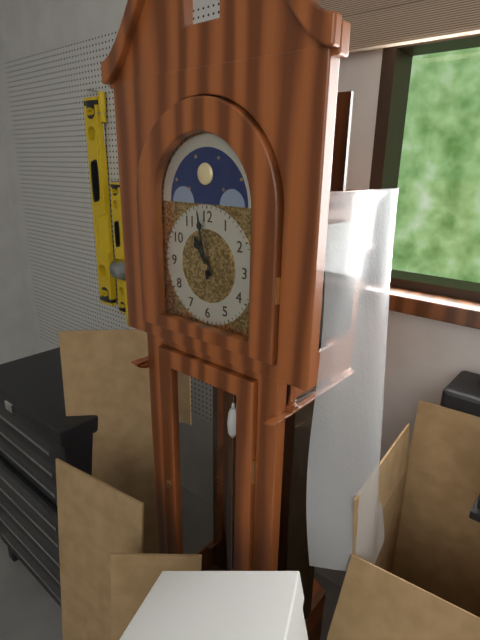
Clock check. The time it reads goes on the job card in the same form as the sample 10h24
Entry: 10h58
